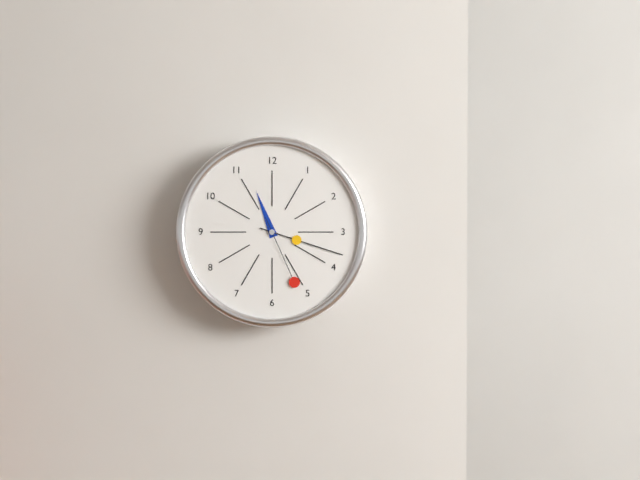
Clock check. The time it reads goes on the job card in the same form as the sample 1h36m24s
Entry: 11h18m26s
